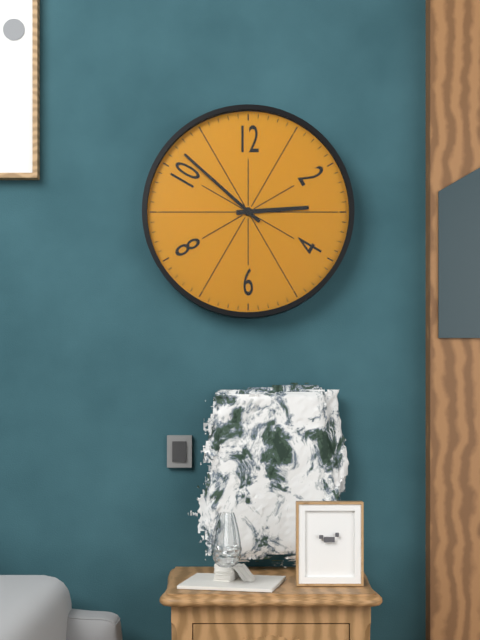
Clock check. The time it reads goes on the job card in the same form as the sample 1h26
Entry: 2h52
